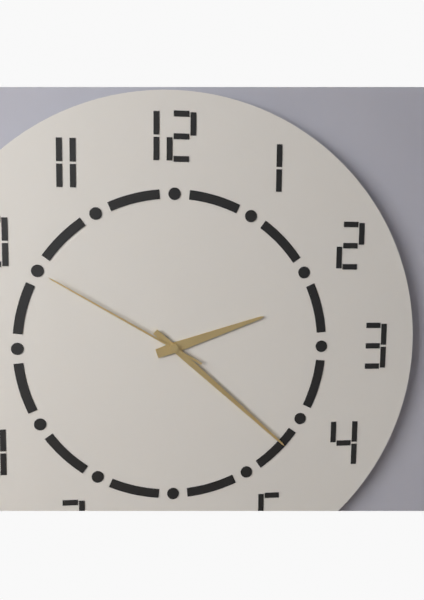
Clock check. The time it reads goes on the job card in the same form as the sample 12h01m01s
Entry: 2h22m50s
